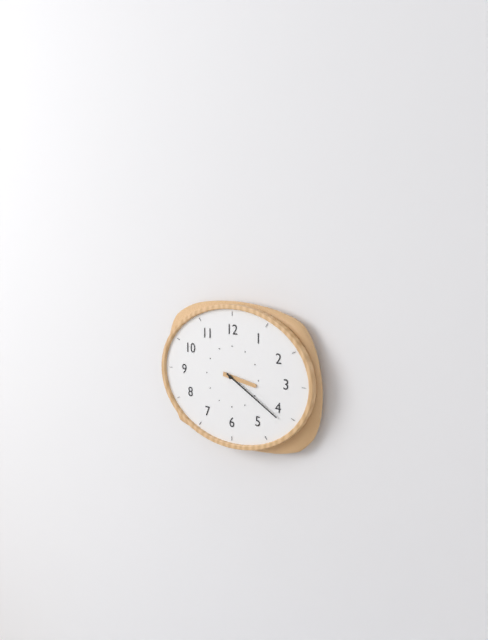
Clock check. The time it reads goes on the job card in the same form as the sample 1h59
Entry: 3h20
